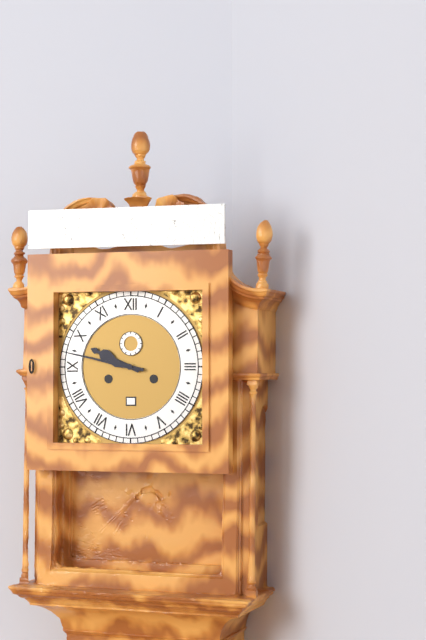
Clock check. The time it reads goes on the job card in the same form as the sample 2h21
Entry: 9h47
